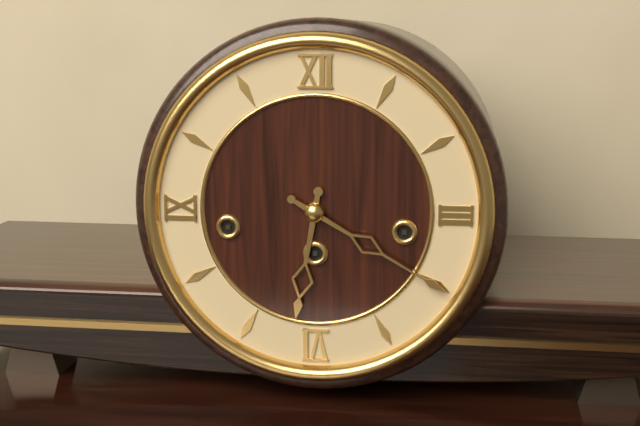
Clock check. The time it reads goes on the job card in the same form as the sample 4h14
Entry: 6h20
